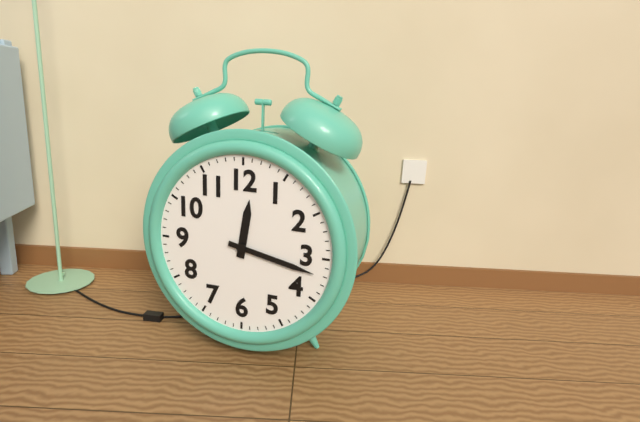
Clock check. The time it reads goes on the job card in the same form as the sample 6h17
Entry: 12h17
